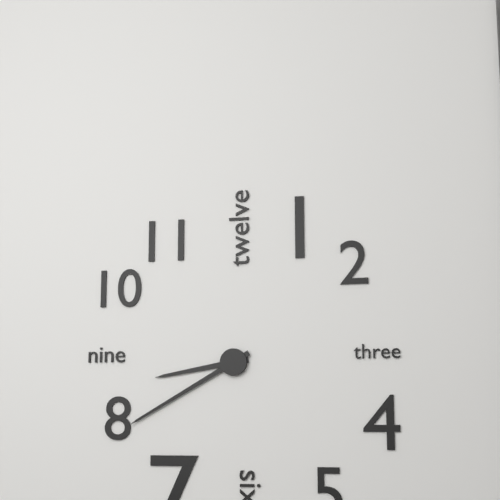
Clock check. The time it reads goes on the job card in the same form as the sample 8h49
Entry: 8h40
